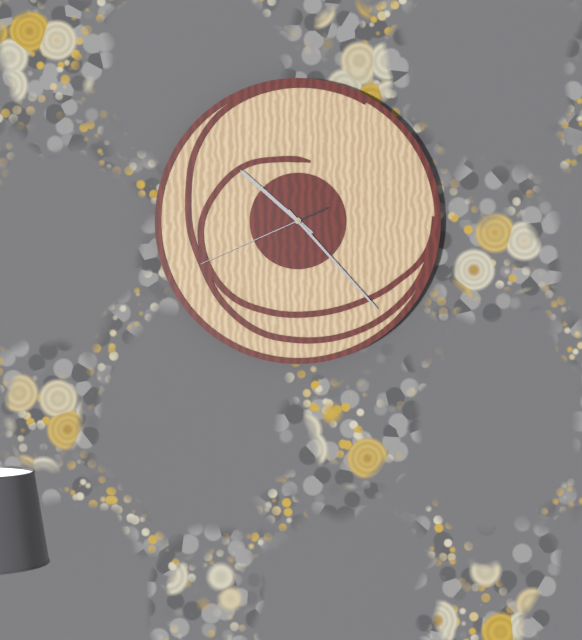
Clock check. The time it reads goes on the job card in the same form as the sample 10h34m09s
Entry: 10h23m41s
